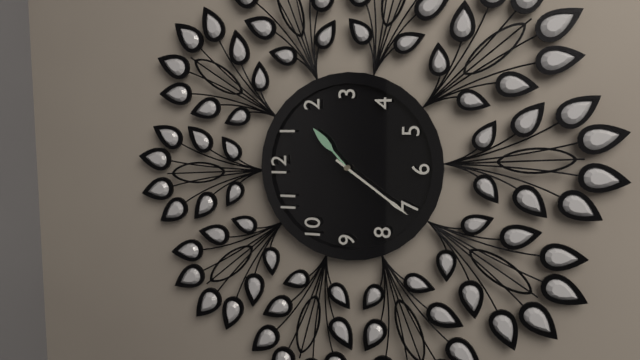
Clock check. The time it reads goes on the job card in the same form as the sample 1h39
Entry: 1h36
